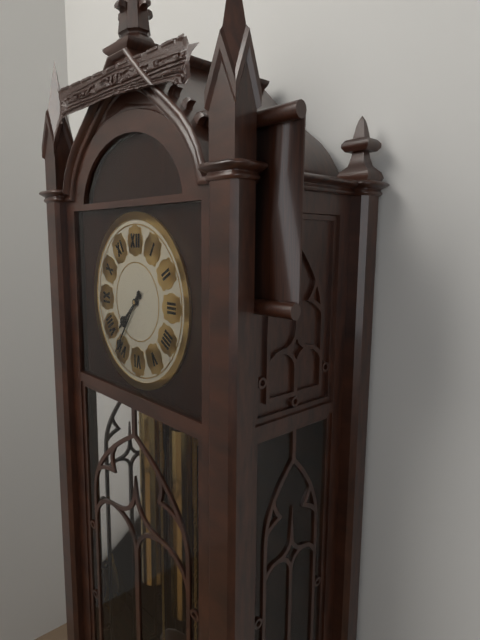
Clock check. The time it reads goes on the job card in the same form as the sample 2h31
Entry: 7h36
